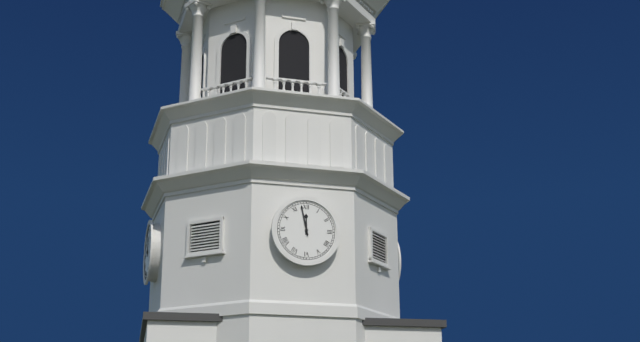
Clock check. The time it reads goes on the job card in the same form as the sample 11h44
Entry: 11h58
